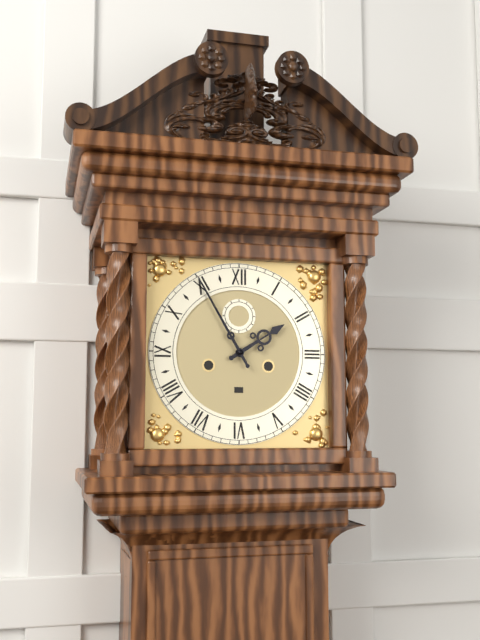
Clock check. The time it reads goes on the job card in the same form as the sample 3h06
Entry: 1h55
